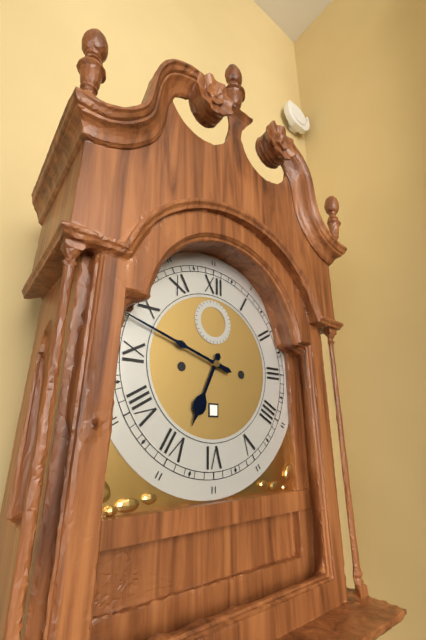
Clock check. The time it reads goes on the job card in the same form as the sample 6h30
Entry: 6h48
